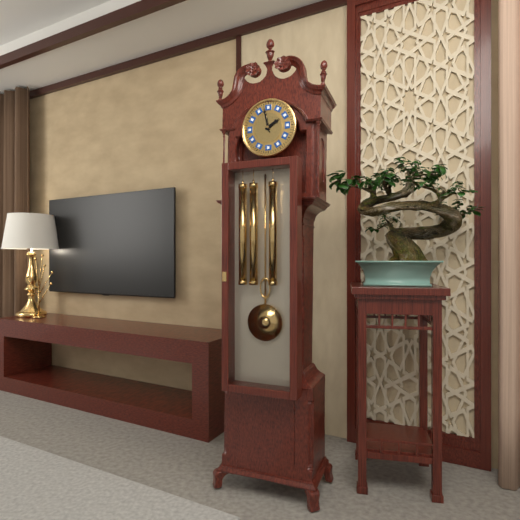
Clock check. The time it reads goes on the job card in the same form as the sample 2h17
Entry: 1h58
